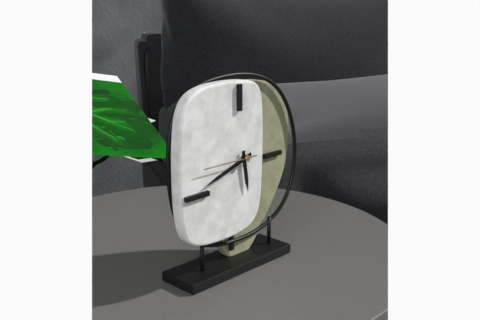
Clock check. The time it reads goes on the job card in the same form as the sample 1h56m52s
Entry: 5h42m45s
